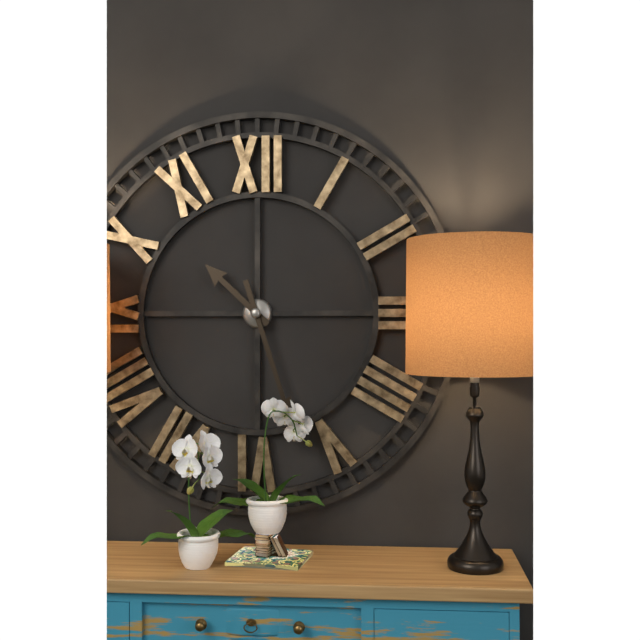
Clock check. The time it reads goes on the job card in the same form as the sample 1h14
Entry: 10h27
